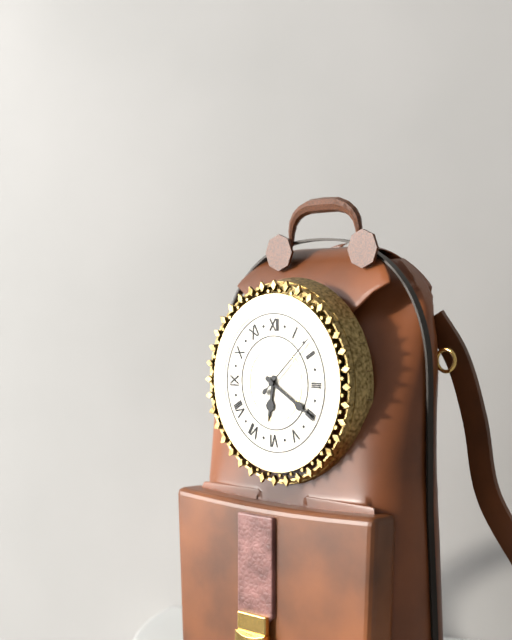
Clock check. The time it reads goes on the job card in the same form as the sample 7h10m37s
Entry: 6h20m08s
